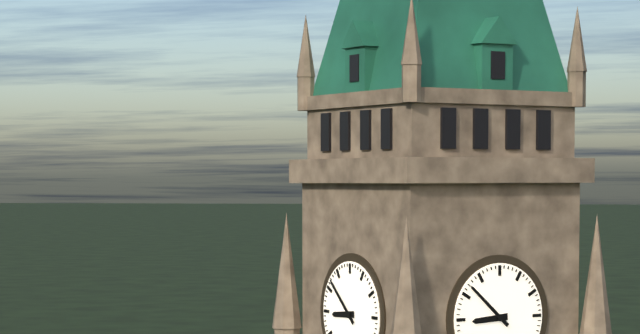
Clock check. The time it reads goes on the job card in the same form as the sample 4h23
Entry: 8h52
